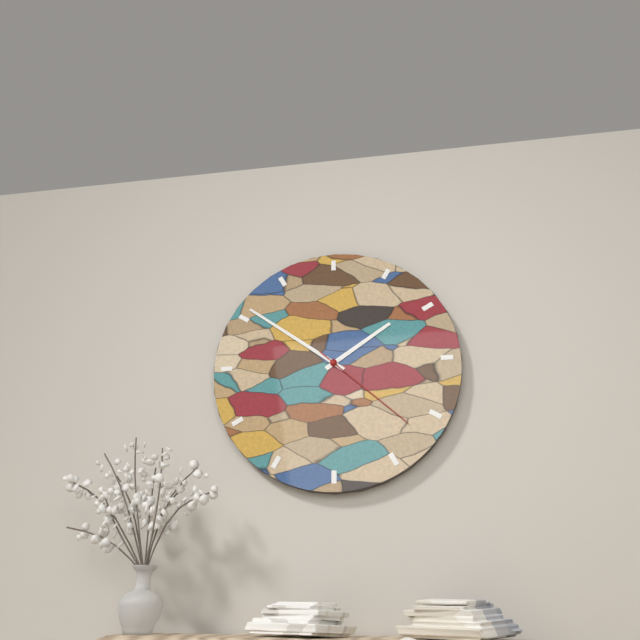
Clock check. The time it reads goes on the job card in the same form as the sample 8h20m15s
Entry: 1h51m22s
